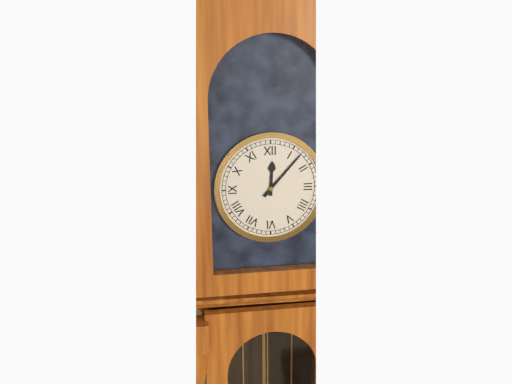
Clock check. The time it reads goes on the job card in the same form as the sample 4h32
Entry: 12h07
